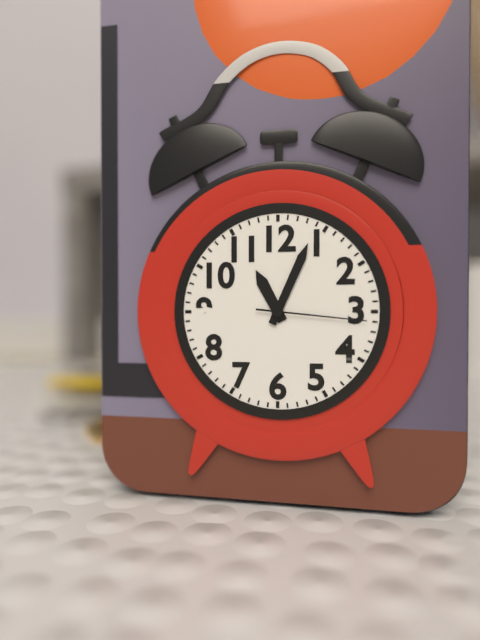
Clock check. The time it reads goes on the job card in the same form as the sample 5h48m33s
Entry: 11h04m16s
